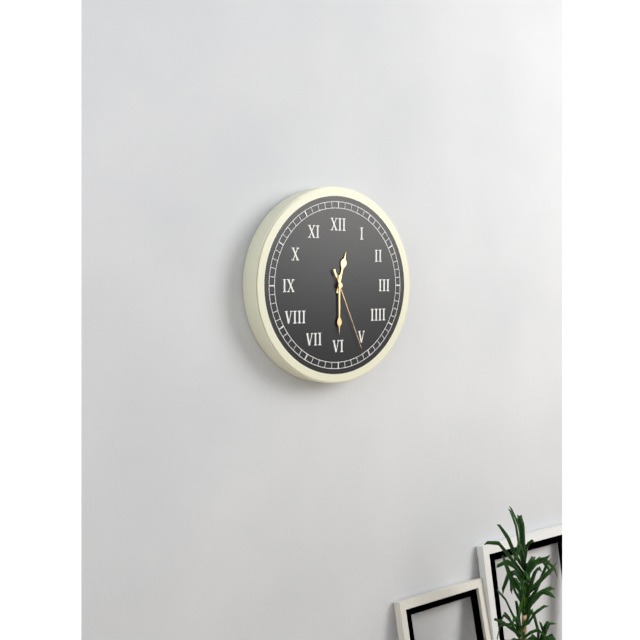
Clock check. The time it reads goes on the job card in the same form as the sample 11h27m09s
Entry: 12h30m26s
